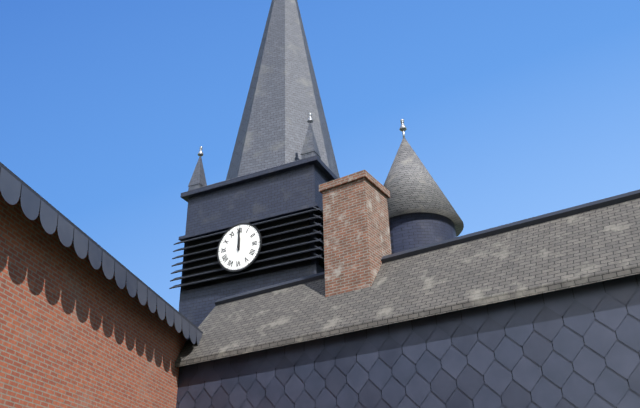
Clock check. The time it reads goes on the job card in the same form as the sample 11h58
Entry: 12h00
